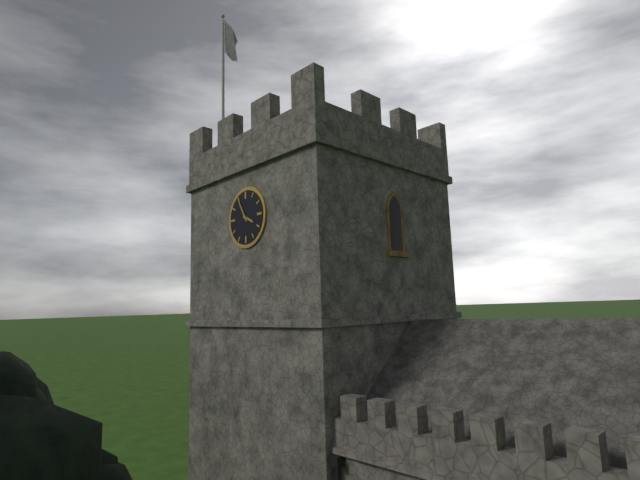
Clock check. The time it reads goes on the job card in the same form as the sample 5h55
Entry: 3h55
